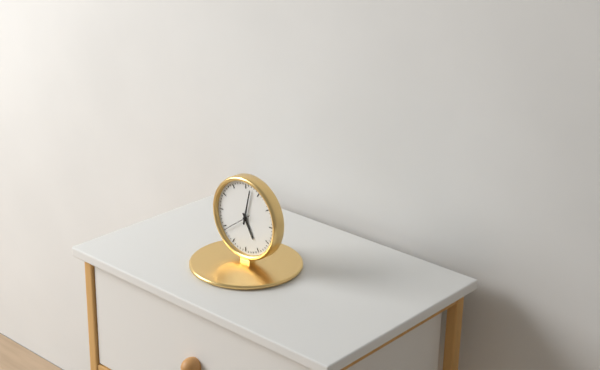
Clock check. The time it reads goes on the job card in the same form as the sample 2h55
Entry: 5h02
